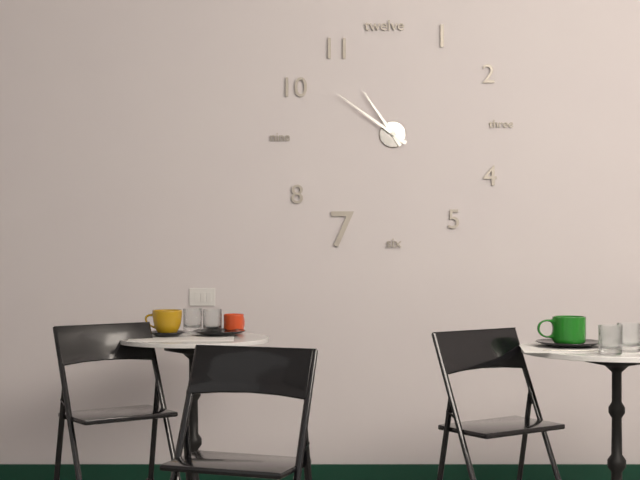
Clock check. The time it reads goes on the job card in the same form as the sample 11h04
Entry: 10h51
